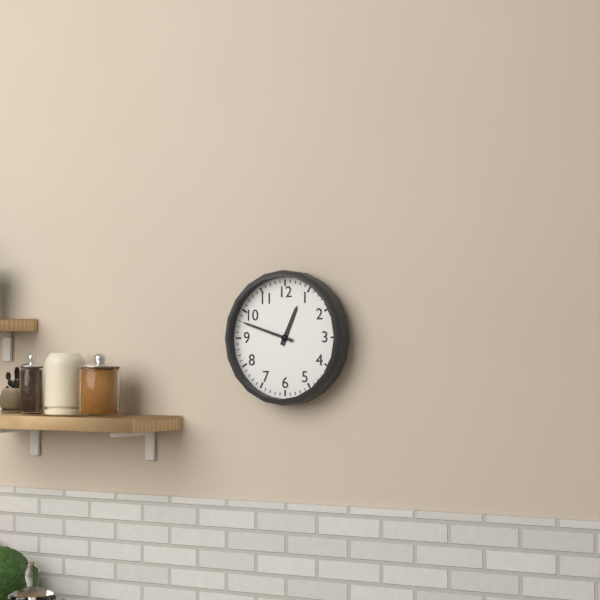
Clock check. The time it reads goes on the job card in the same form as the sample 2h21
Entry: 12h48
